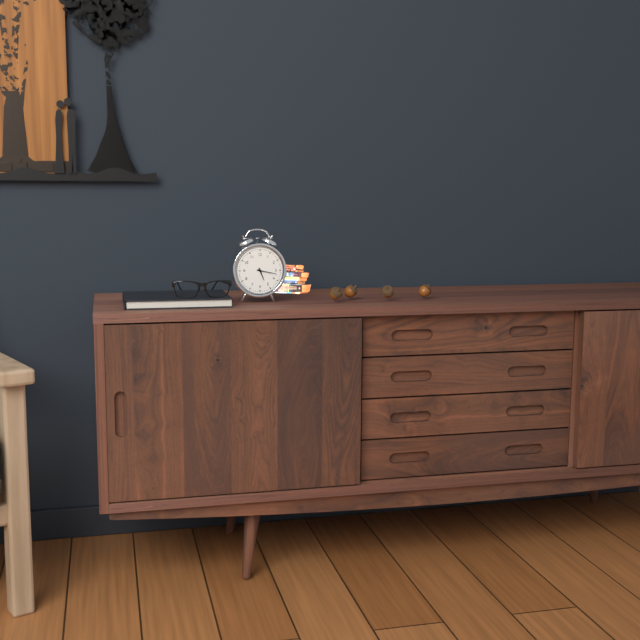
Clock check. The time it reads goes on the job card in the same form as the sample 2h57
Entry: 5h17
